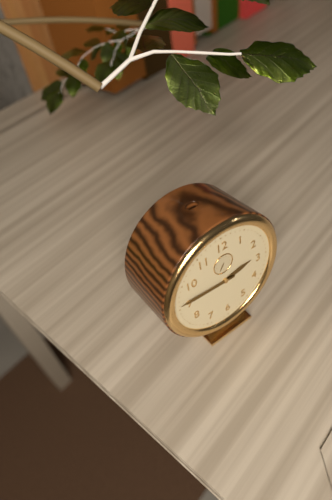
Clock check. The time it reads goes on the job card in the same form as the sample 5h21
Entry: 2h46
